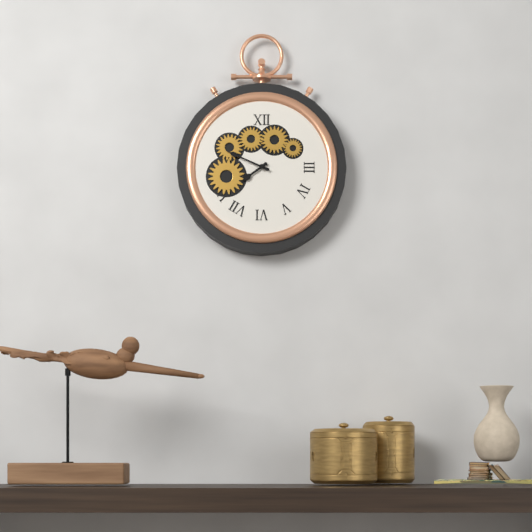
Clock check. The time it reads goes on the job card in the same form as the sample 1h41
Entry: 7h49
